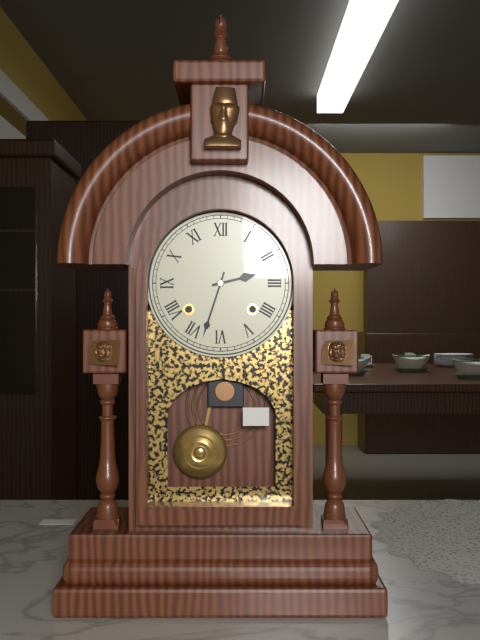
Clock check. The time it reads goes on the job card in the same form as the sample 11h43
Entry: 2h33
